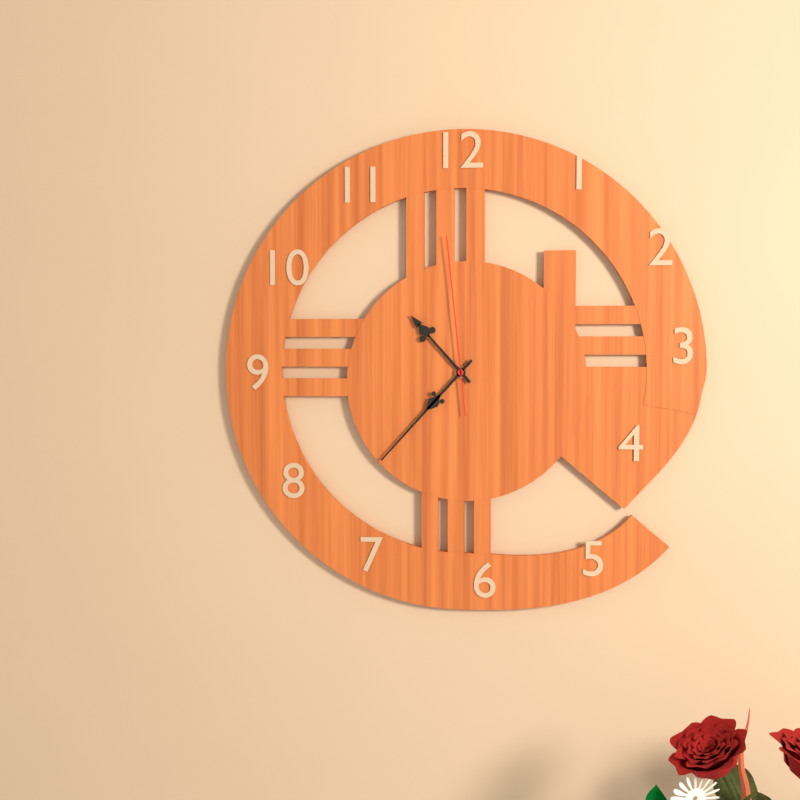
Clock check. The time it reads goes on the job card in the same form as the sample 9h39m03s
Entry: 10h37m59s
